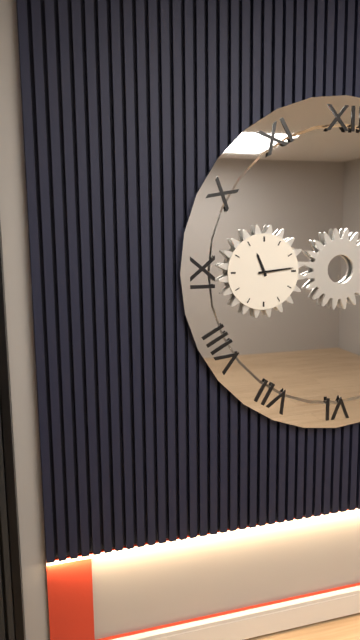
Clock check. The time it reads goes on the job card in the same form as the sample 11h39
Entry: 11h14
